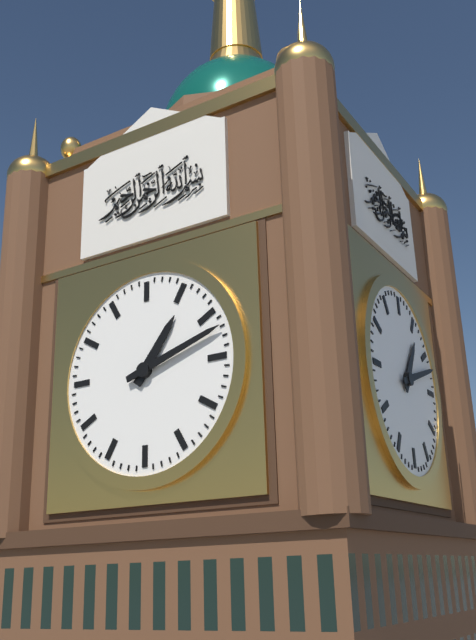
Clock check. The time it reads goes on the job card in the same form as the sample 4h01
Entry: 1h12
